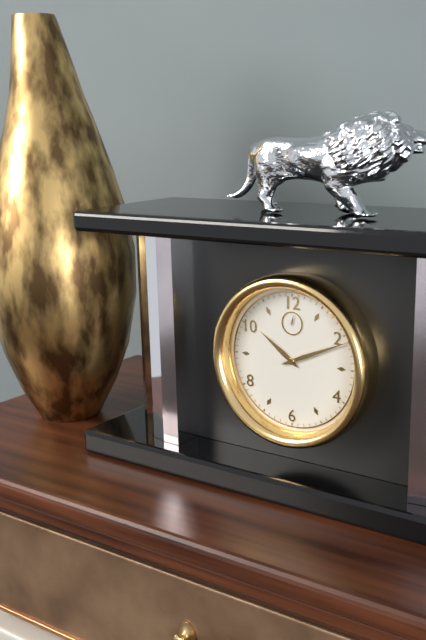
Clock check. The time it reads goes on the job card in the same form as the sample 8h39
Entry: 10h11
